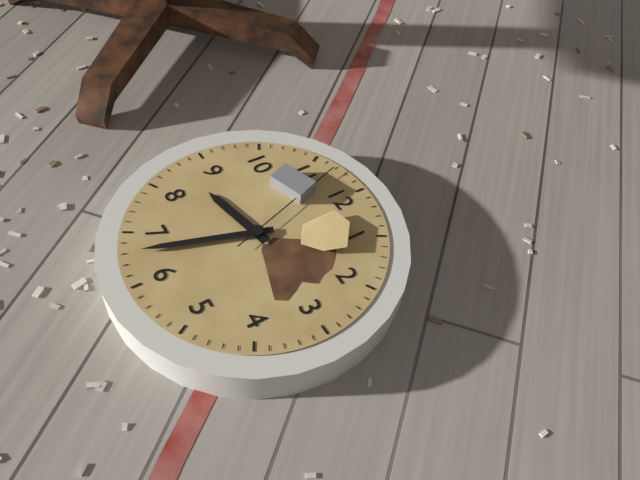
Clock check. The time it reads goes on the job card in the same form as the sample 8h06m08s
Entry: 8h33m57s
